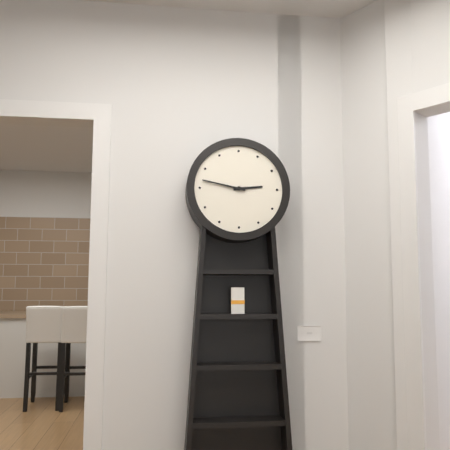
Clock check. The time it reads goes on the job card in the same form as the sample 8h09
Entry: 2h47
